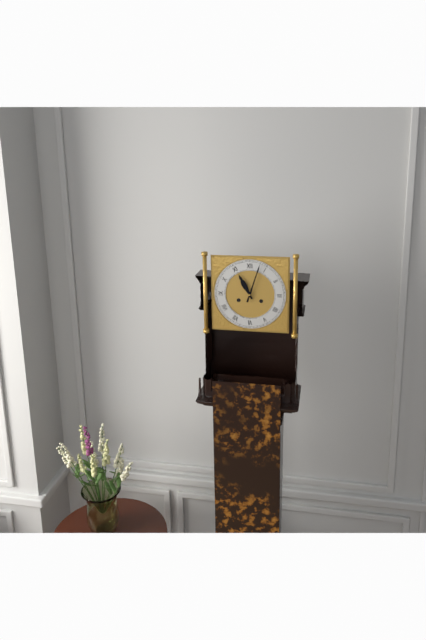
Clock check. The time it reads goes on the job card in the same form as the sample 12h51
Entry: 11h03
